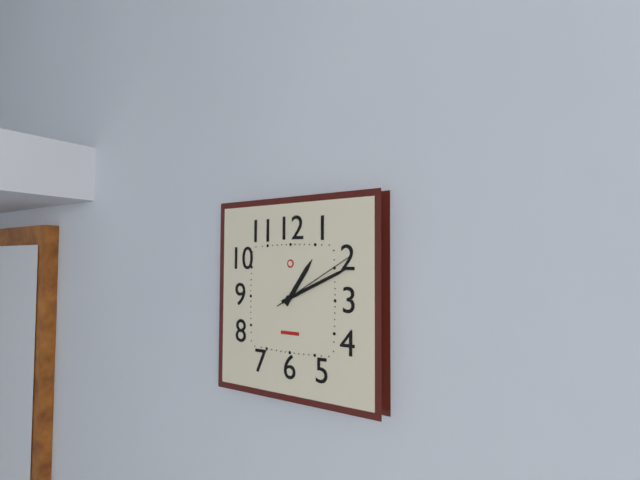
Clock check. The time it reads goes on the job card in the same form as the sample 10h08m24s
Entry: 1h11m10s
